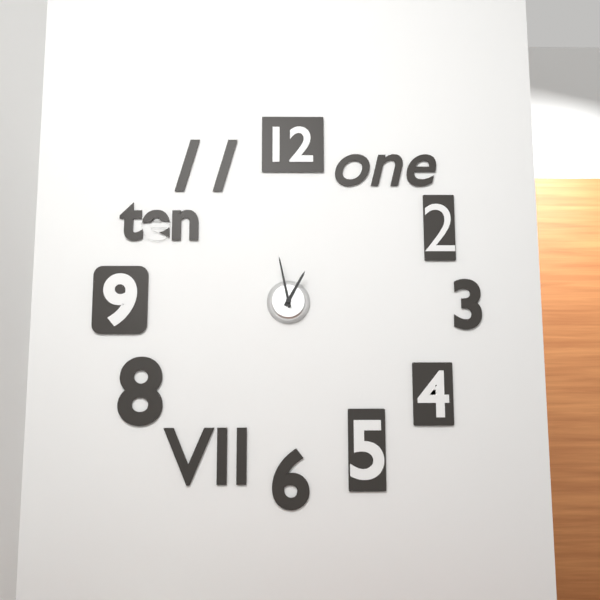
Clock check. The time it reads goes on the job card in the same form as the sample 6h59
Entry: 12h58
